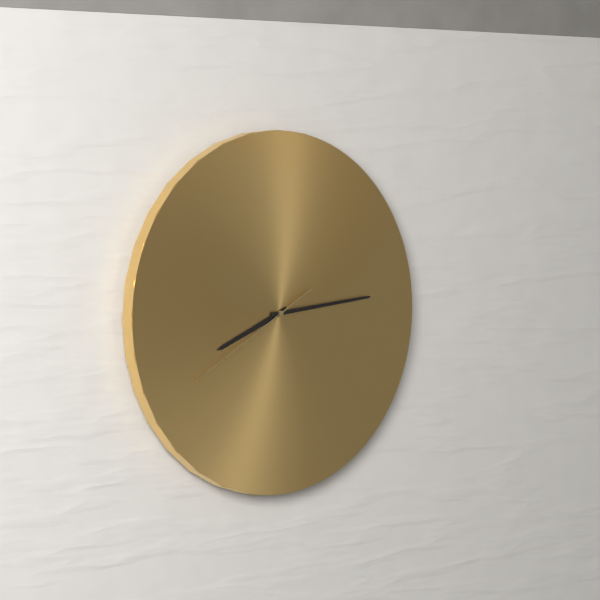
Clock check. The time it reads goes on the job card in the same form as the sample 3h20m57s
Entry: 8h14m40s
